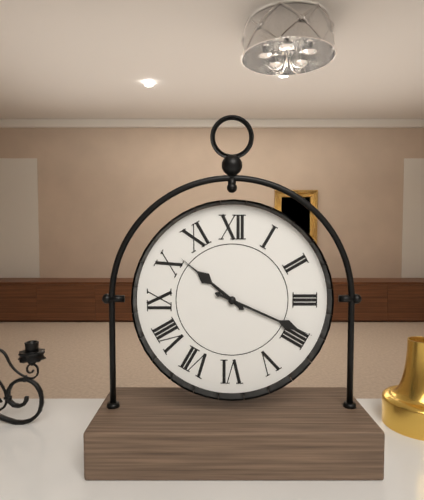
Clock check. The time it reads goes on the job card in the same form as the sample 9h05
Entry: 10h19
